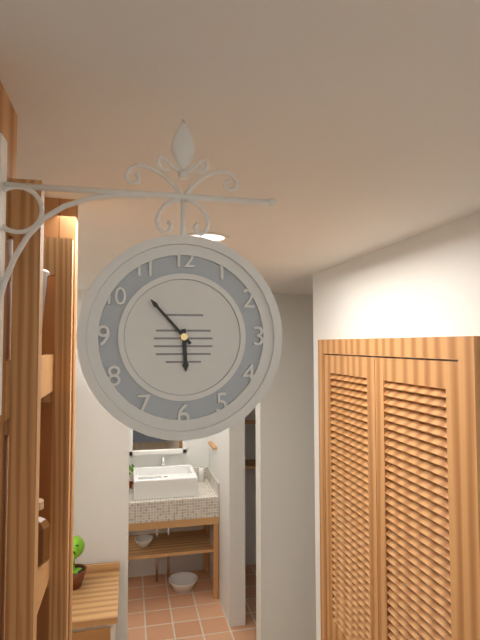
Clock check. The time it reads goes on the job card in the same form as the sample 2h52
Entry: 5h53
